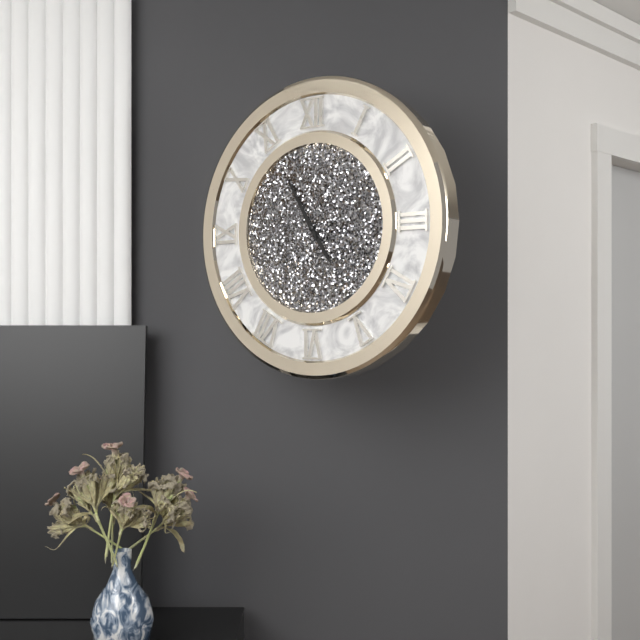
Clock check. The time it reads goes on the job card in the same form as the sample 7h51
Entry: 4h55
